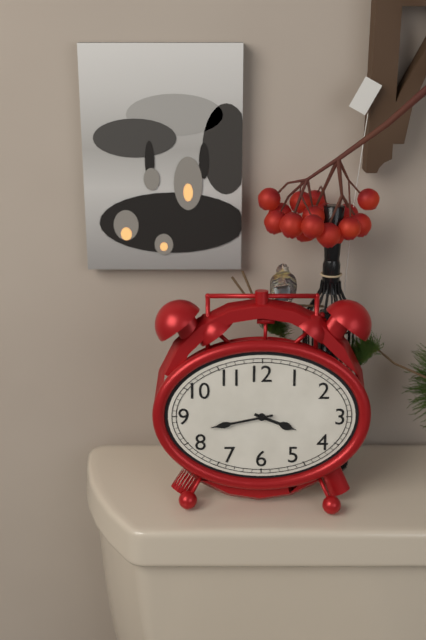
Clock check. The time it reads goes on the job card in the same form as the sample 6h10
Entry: 3h43
